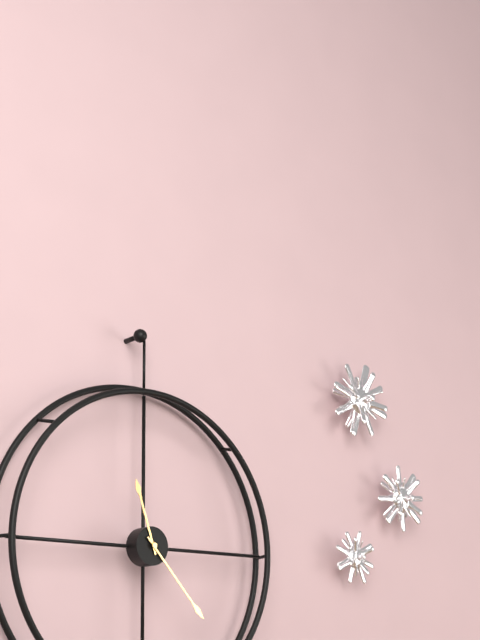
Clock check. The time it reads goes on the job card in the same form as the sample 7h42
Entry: 11h23
